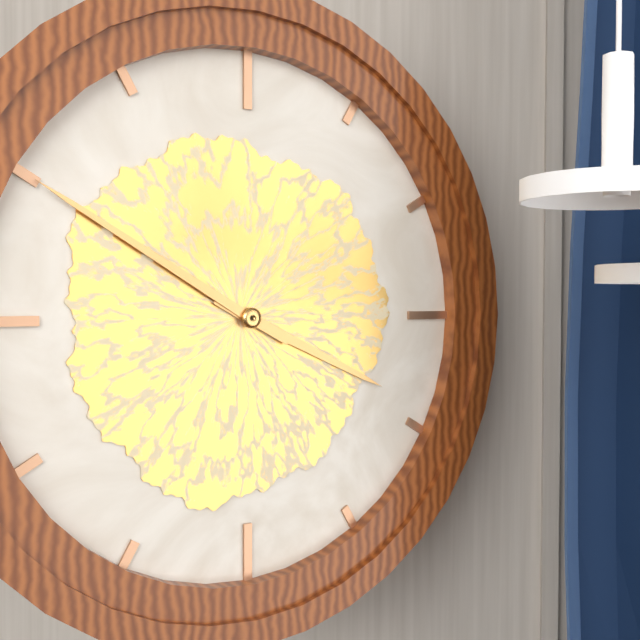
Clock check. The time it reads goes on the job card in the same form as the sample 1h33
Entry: 3h50
